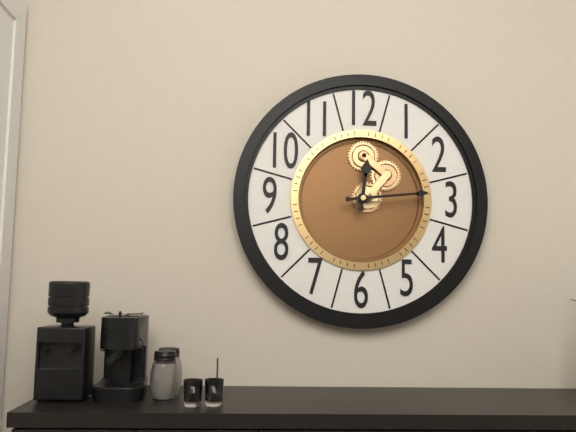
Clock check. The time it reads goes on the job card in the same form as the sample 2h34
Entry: 12h14
